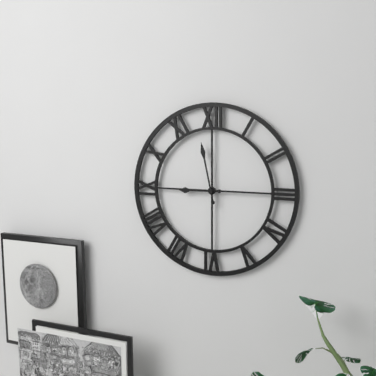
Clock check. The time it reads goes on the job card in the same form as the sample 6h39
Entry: 8h58
